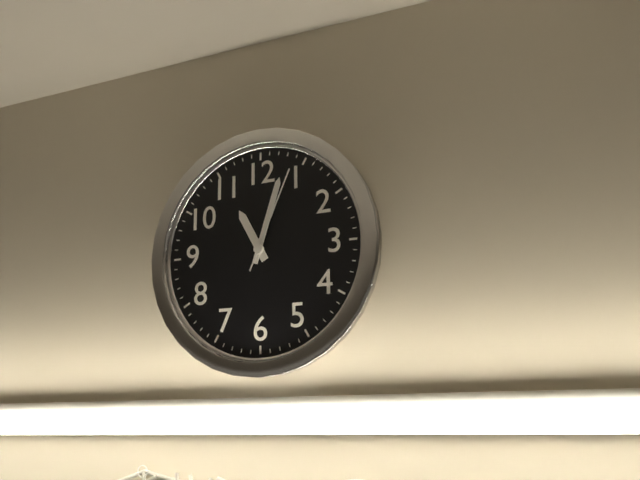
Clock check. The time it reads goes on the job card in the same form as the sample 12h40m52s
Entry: 11h03m04s
